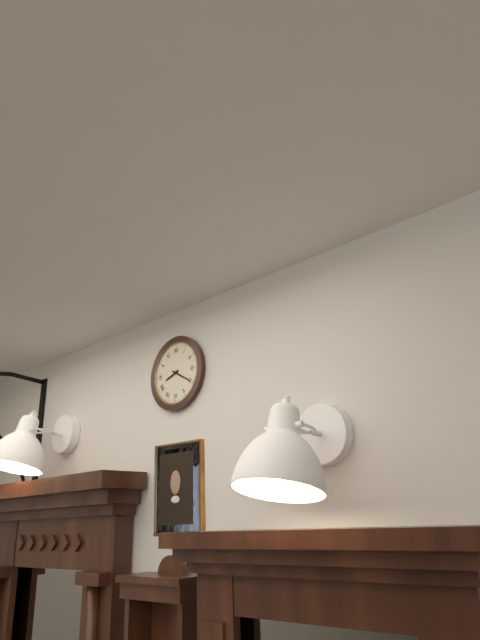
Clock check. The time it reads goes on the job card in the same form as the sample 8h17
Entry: 8h20
